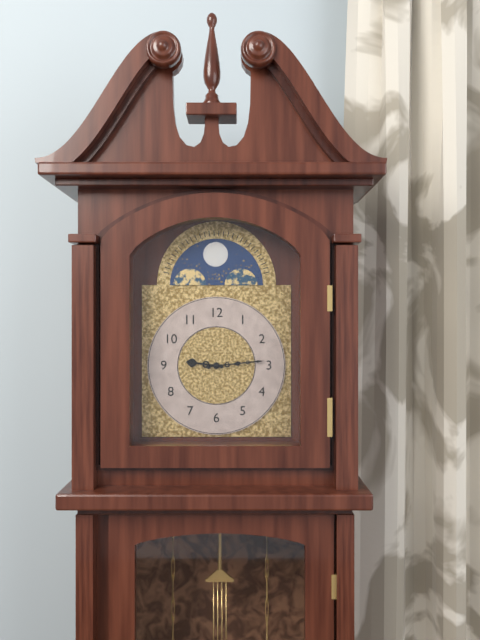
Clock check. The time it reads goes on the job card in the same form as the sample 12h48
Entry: 9h14
